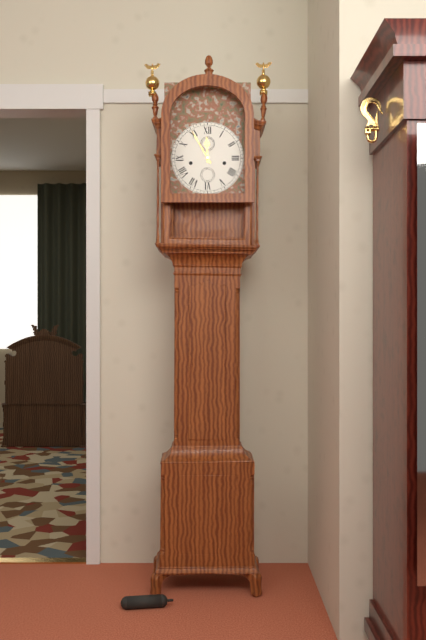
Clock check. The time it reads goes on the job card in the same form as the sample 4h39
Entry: 11h55
